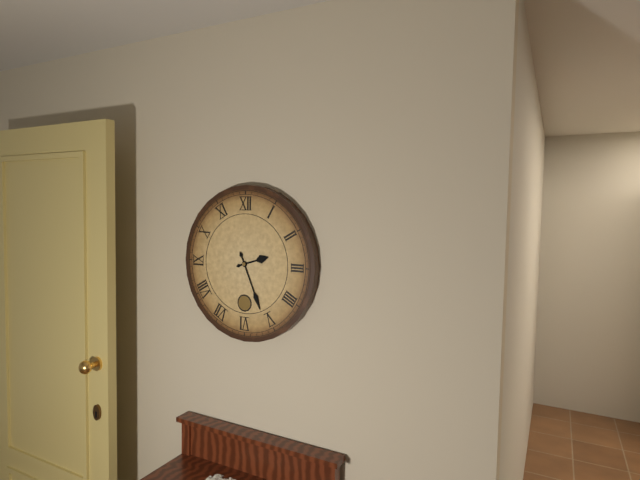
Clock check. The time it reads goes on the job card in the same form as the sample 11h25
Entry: 2h26
